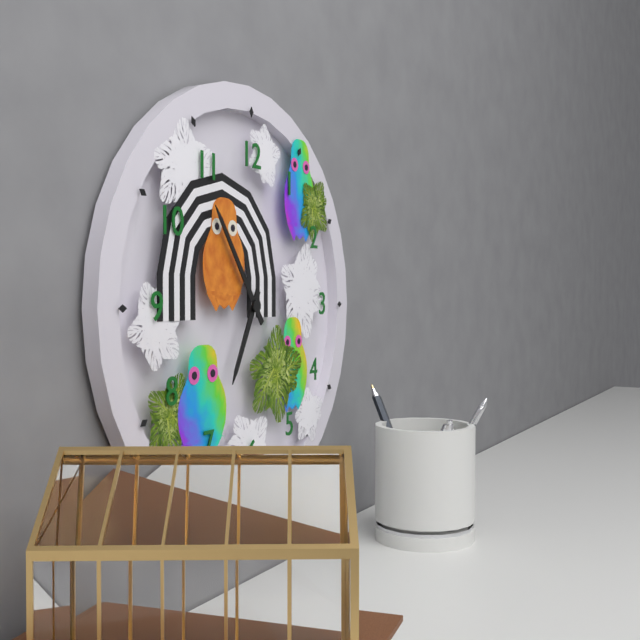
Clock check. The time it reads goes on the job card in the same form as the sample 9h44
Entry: 6h54
